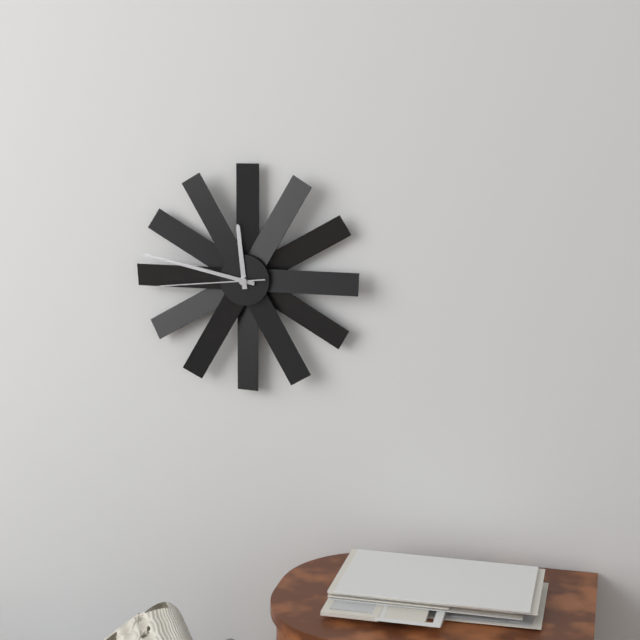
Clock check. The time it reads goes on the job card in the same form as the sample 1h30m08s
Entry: 11h47m44s
